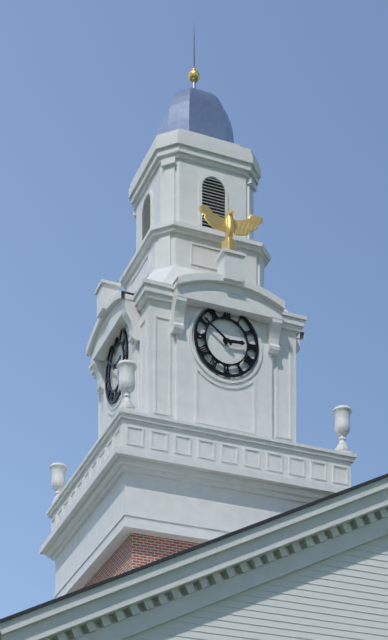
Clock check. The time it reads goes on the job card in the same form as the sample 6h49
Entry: 2h51
